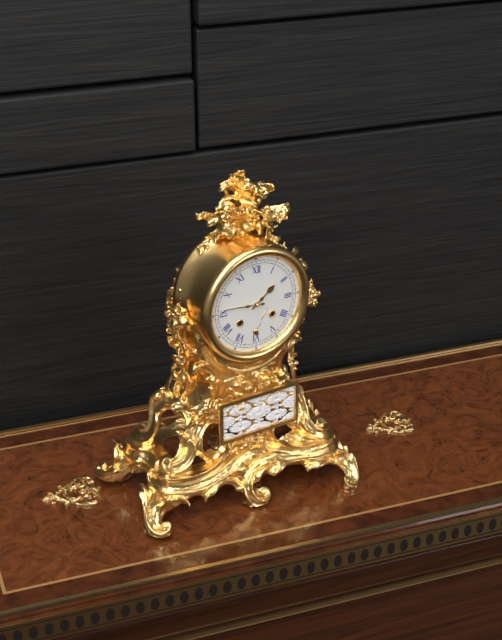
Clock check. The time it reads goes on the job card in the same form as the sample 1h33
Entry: 1h46
